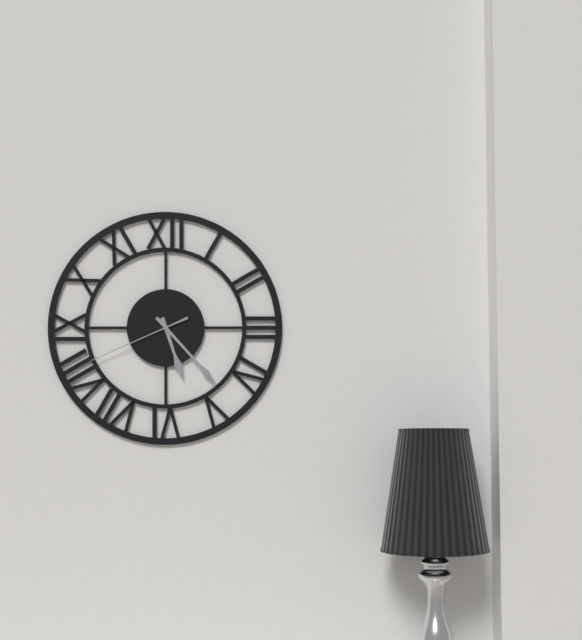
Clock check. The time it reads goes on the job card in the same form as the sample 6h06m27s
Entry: 5h23m41s
